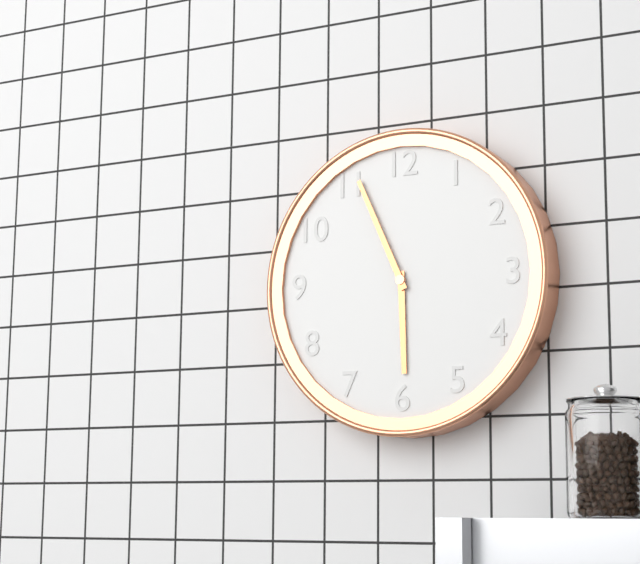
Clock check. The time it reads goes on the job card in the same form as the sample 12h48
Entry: 5h56
